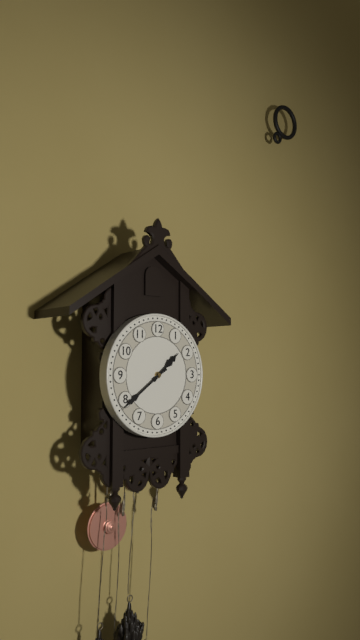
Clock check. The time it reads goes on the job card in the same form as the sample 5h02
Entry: 1h39
